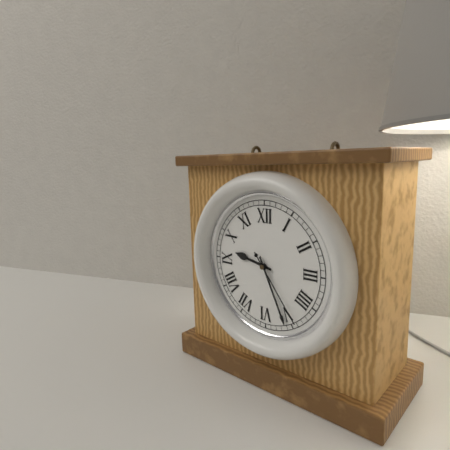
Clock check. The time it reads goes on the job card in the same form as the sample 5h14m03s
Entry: 9h26m24s
